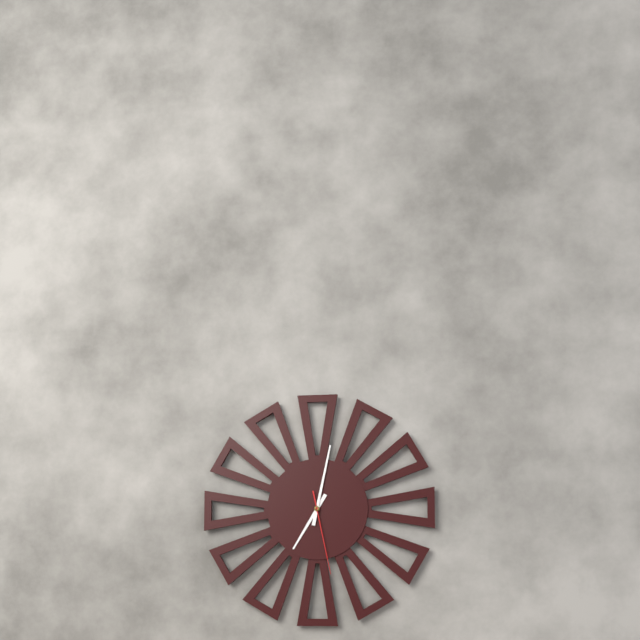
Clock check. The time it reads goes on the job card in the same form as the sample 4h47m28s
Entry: 7h02m28s
